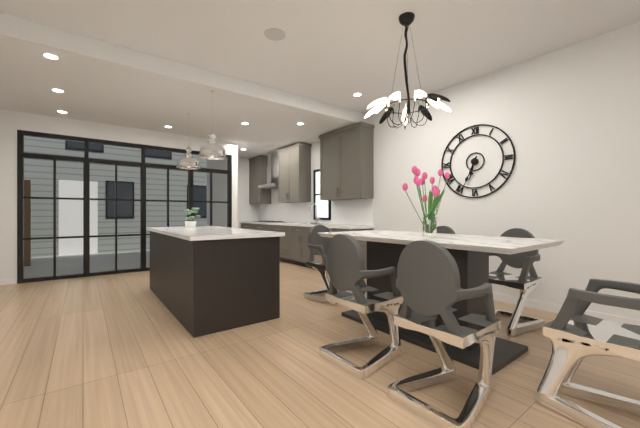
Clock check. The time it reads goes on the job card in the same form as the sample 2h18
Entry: 6h34
